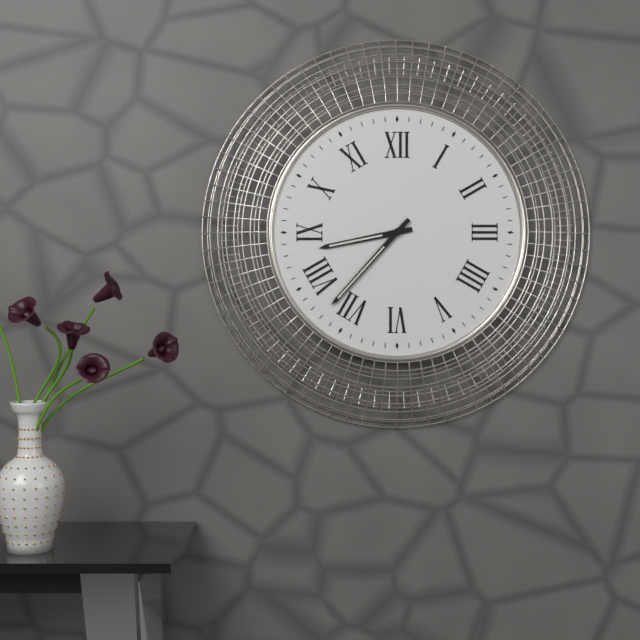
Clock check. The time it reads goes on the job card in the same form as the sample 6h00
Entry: 8h37
